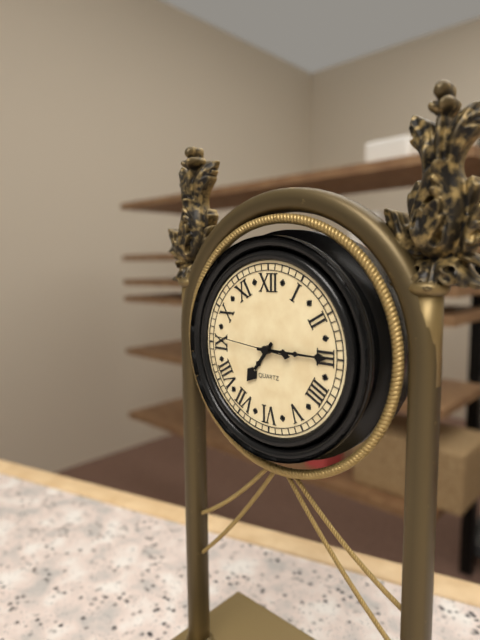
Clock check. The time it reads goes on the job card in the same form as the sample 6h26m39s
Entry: 7h15m46s
